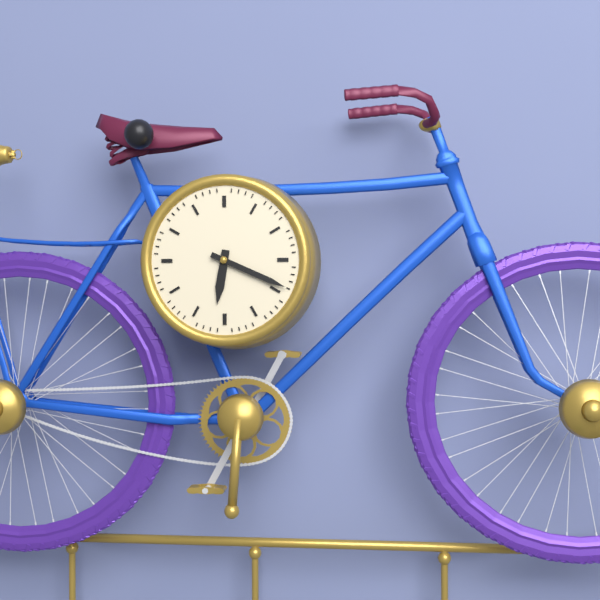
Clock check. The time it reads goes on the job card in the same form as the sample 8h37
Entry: 6h19
